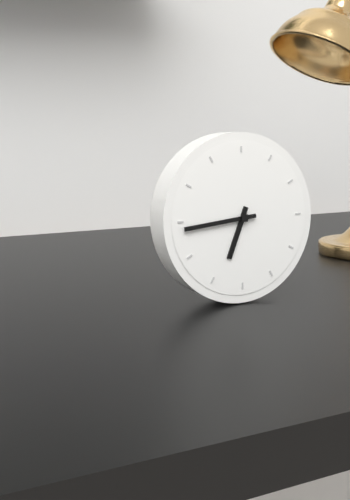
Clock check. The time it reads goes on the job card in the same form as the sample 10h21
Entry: 6h44
